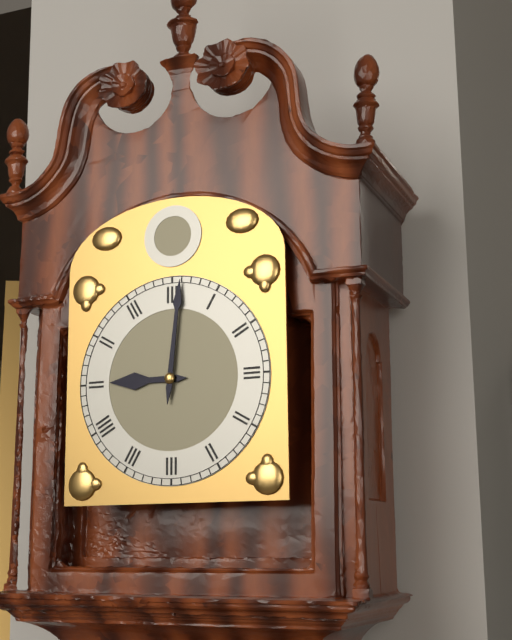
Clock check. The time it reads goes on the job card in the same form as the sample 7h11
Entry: 9h01
